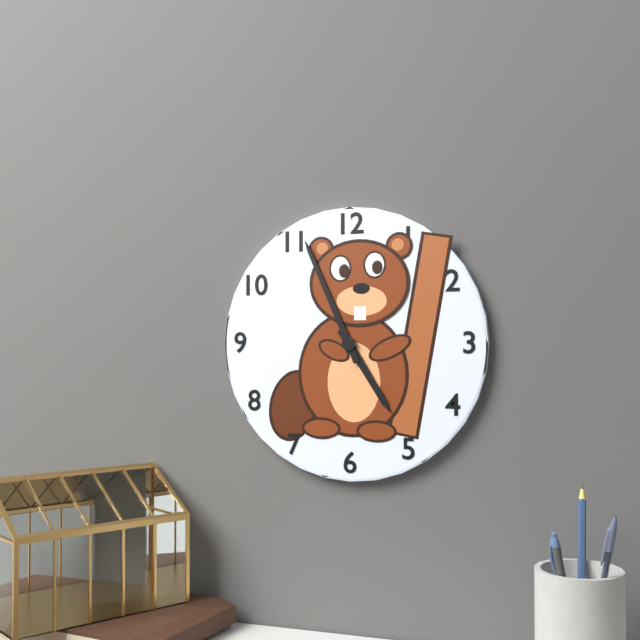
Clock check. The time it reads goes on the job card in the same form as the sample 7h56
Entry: 4h56
